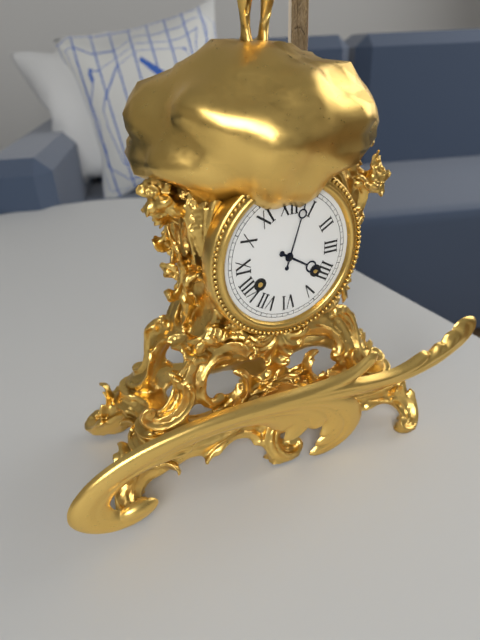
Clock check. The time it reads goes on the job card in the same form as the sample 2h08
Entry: 4h03
